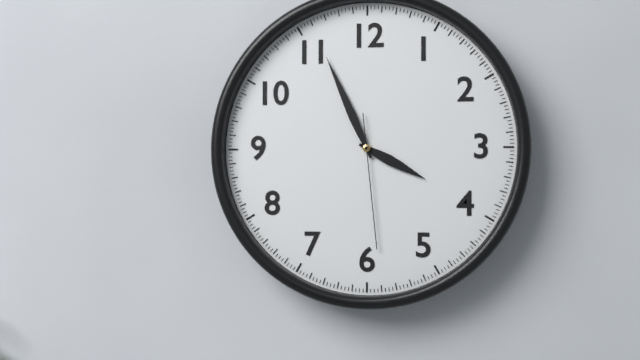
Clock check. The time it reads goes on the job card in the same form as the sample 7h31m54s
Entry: 3h56m29s
